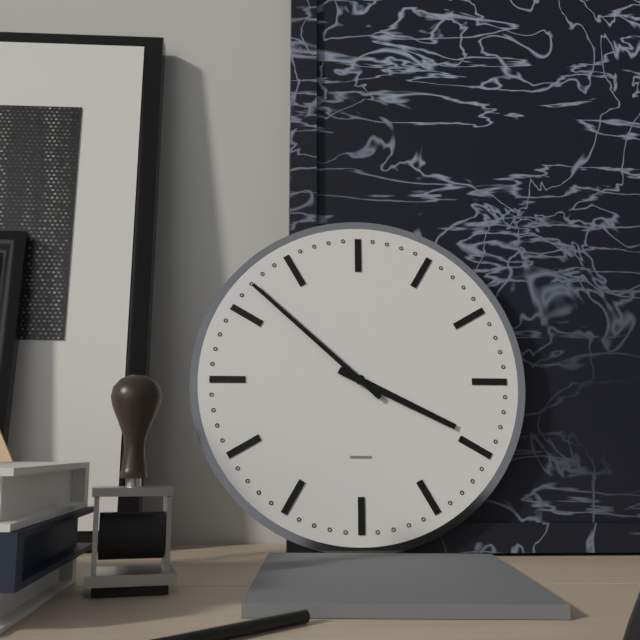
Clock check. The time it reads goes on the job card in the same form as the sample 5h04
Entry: 3h52
